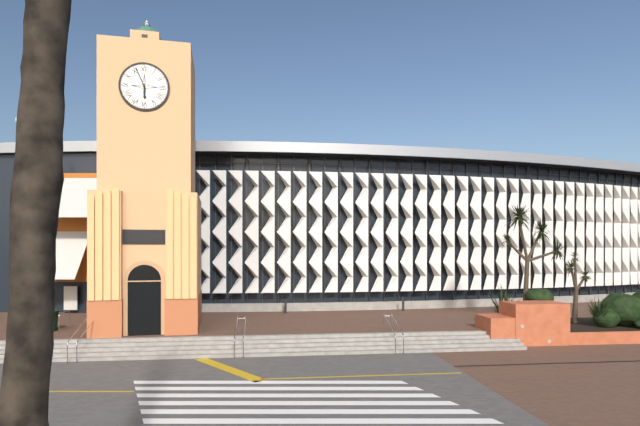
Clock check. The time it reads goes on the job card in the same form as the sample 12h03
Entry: 5h56
